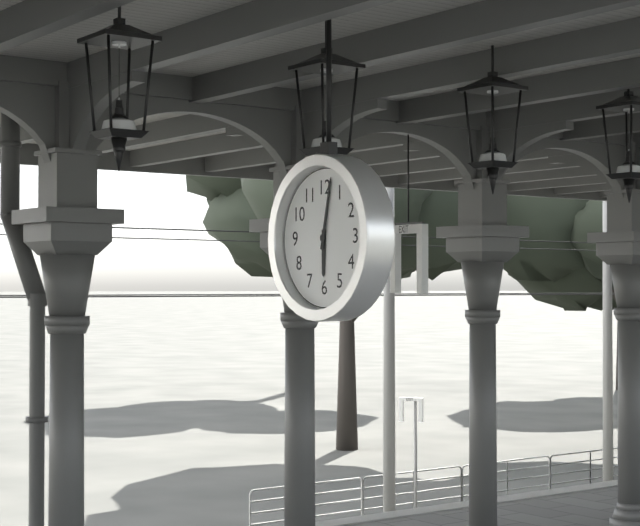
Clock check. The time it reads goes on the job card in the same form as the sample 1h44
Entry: 6h02
